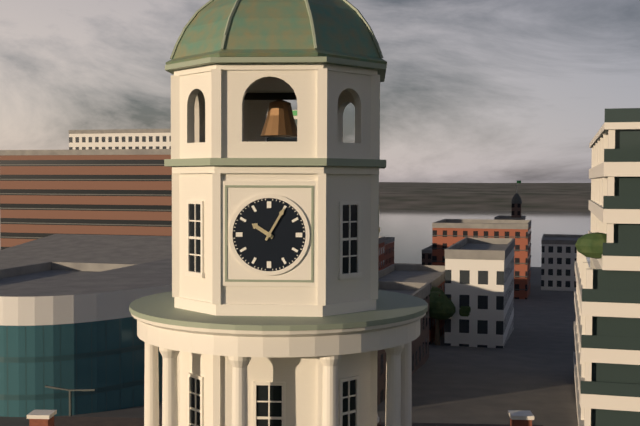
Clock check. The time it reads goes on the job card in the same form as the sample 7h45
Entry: 10h05
